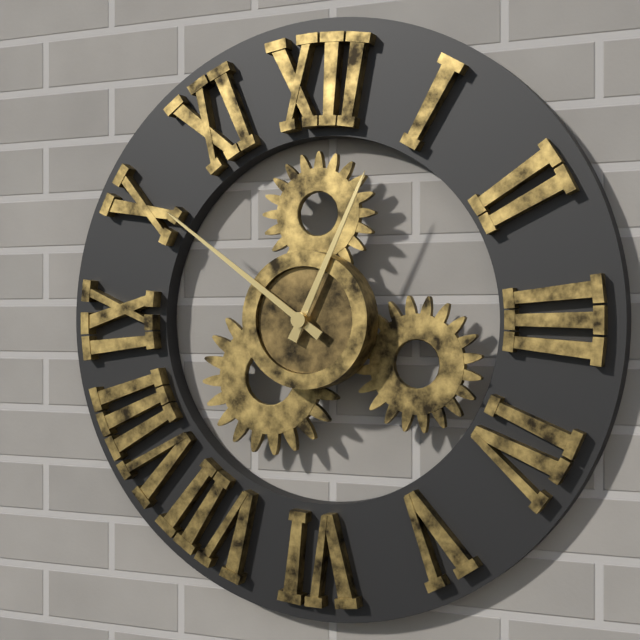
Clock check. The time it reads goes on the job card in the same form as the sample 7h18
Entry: 12h51
